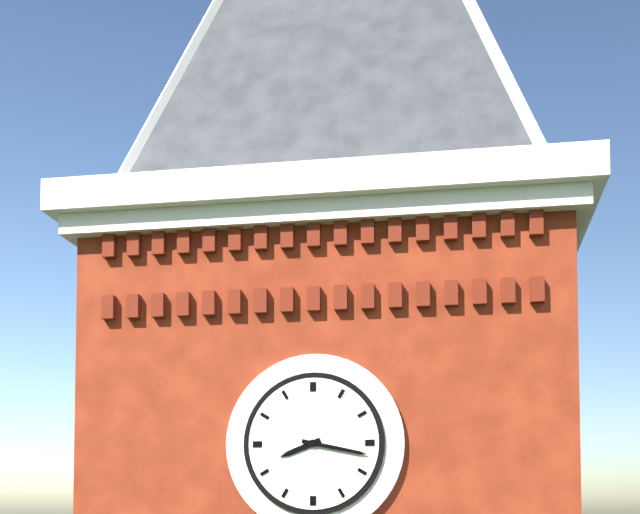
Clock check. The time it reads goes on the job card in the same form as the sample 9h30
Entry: 8h17
